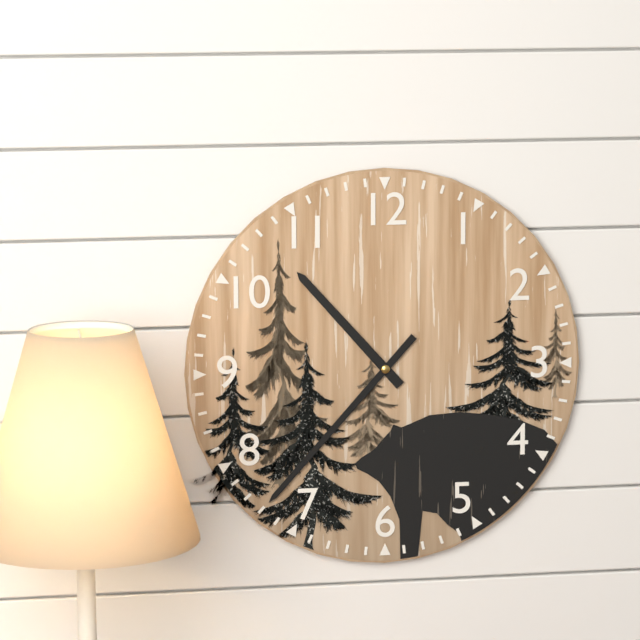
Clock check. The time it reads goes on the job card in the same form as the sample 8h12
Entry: 10h37
